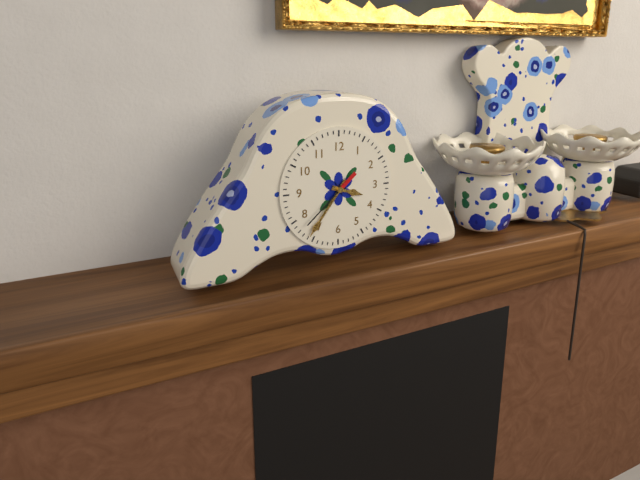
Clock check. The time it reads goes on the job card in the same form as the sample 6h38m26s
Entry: 3h36m38s
